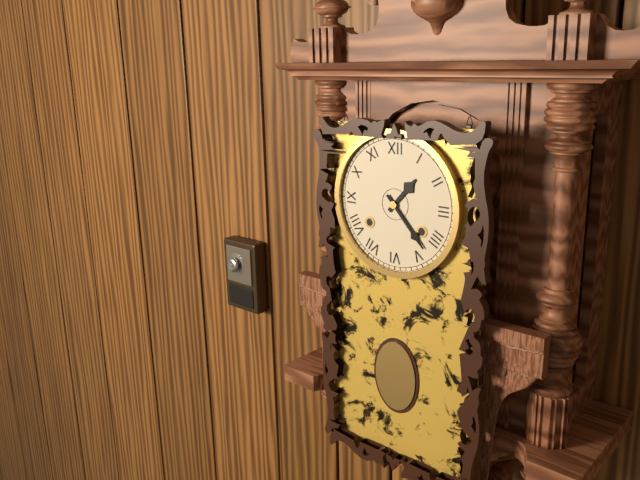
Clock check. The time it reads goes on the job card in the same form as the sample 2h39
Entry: 1h23
